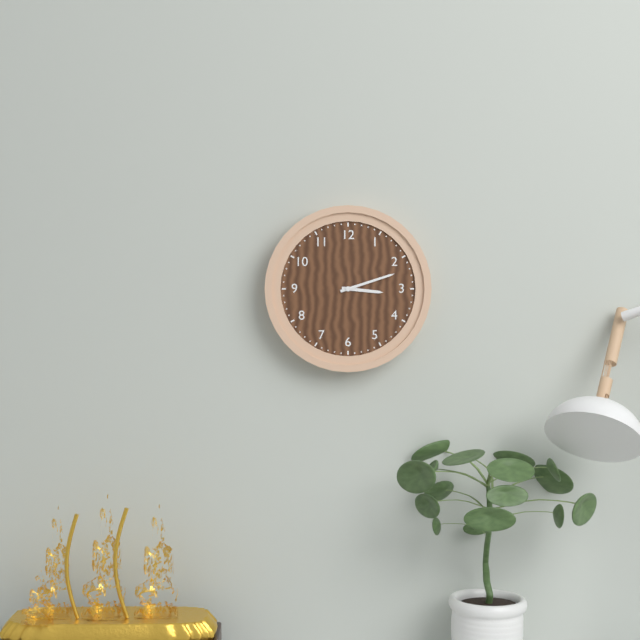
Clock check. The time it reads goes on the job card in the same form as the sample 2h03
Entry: 3h12
